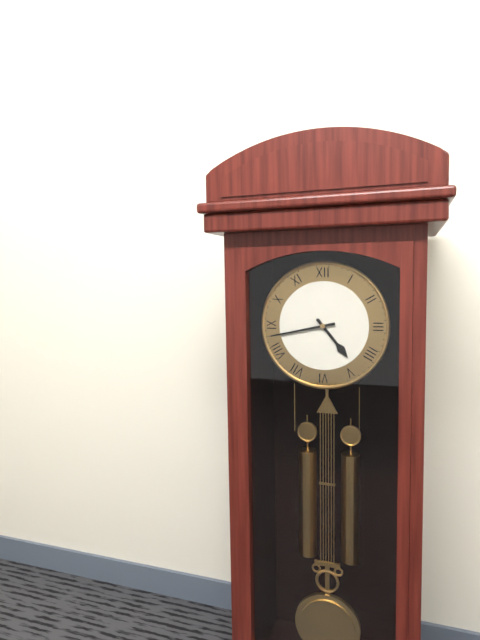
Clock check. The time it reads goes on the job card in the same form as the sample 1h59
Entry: 4h43
